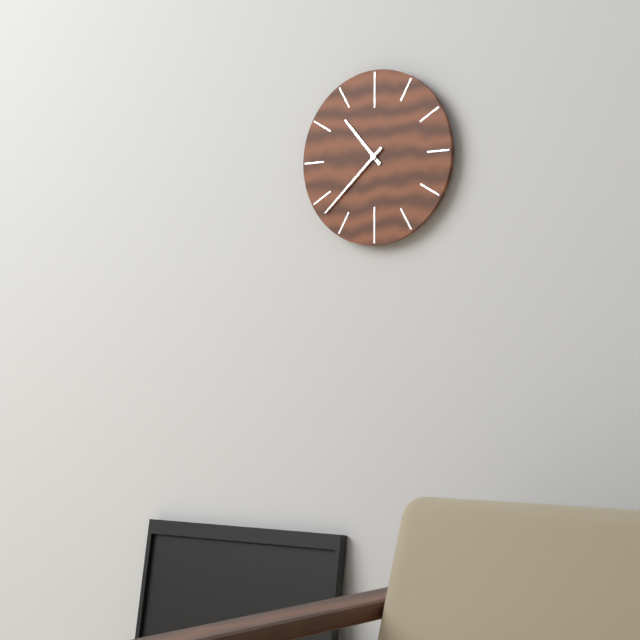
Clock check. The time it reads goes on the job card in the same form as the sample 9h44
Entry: 10h38
